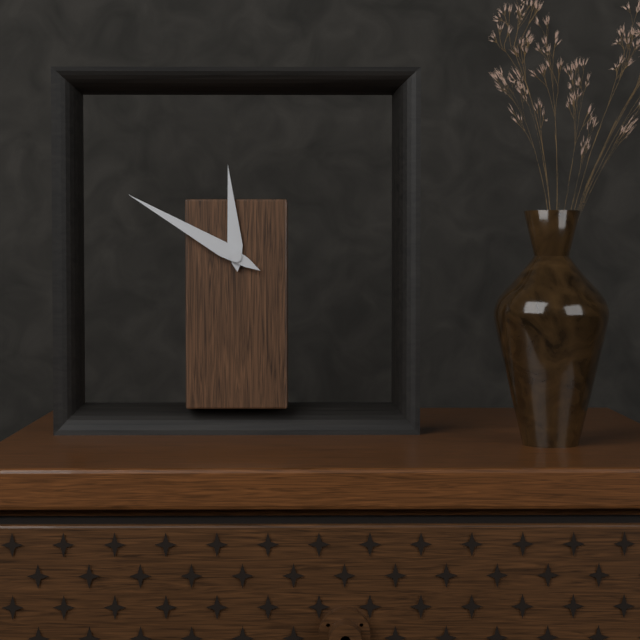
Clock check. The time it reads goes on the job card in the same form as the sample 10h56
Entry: 11h50
